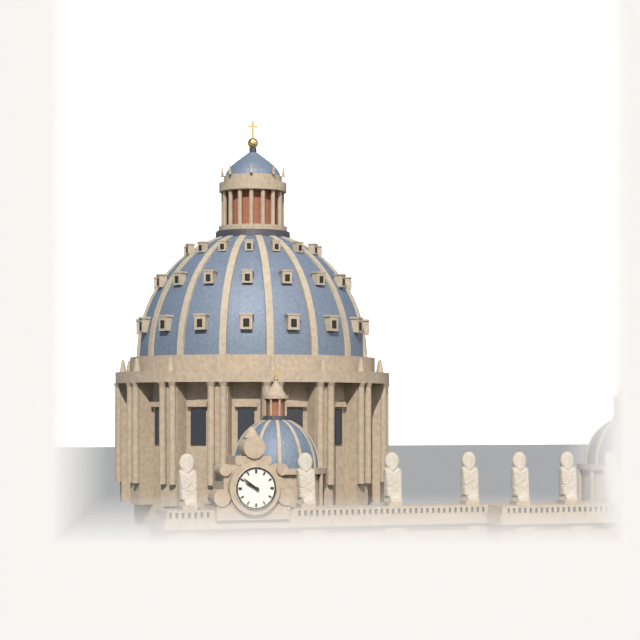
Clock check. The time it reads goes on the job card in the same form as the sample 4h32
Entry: 9h51
